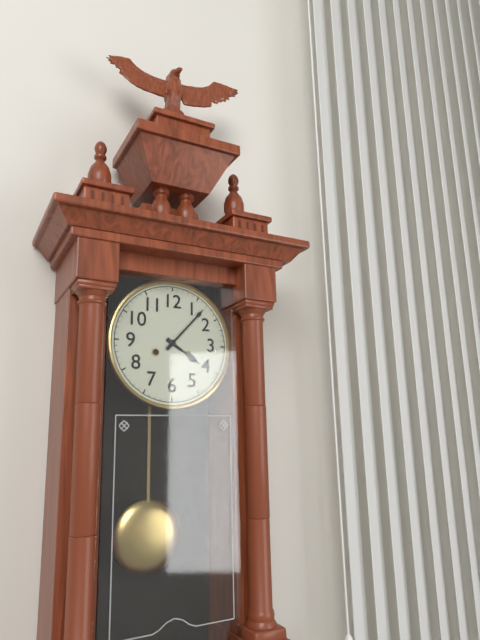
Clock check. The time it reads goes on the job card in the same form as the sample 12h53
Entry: 4h07
